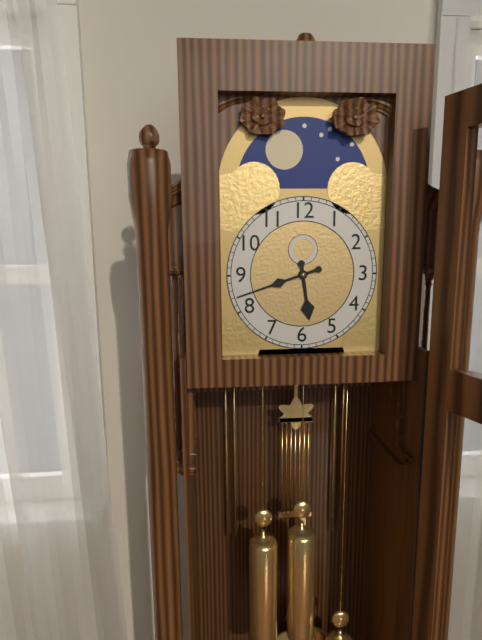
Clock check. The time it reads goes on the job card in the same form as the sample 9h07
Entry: 5h42
